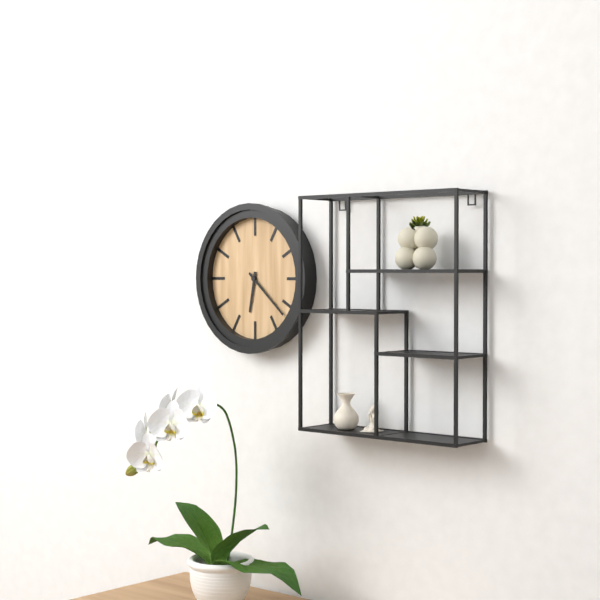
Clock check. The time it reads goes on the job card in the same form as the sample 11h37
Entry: 6h22
